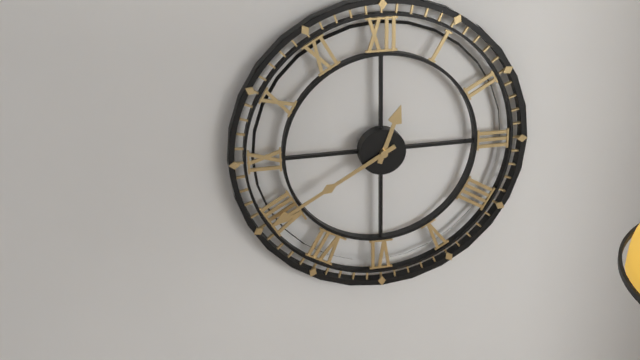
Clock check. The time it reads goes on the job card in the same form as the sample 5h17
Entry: 12h40
